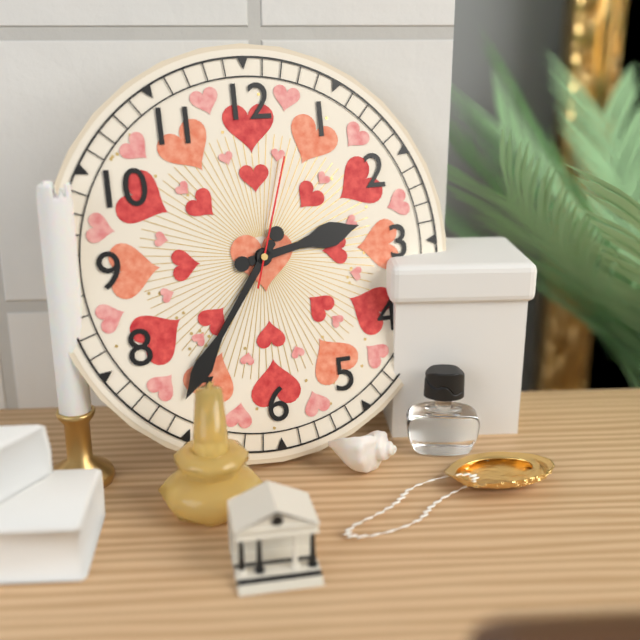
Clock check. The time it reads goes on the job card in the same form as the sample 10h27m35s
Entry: 2h36m03s
